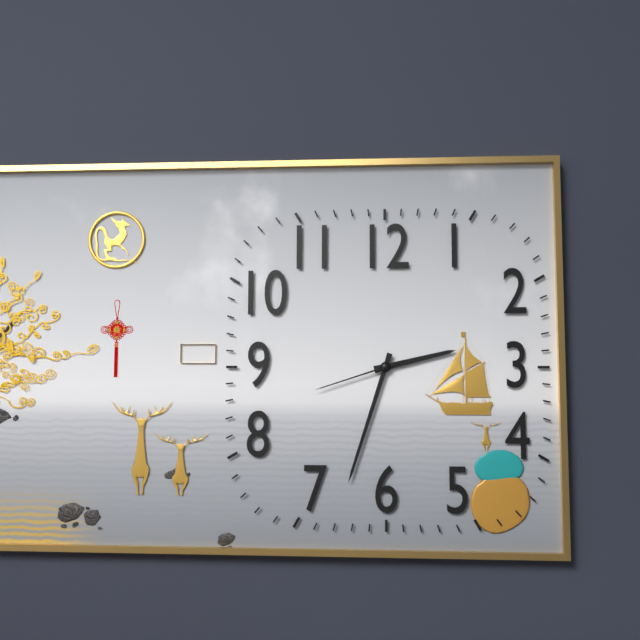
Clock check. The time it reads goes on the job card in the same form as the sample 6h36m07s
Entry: 2h33m42s
